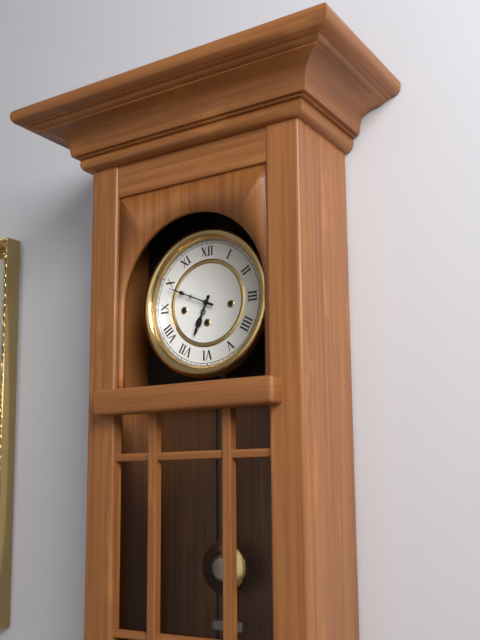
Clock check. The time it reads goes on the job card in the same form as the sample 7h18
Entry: 6h49
